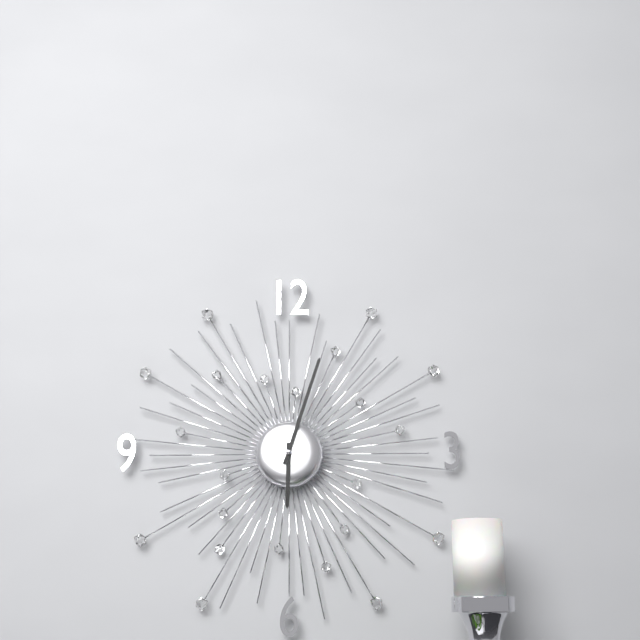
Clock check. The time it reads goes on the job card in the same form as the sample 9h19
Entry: 6h03
